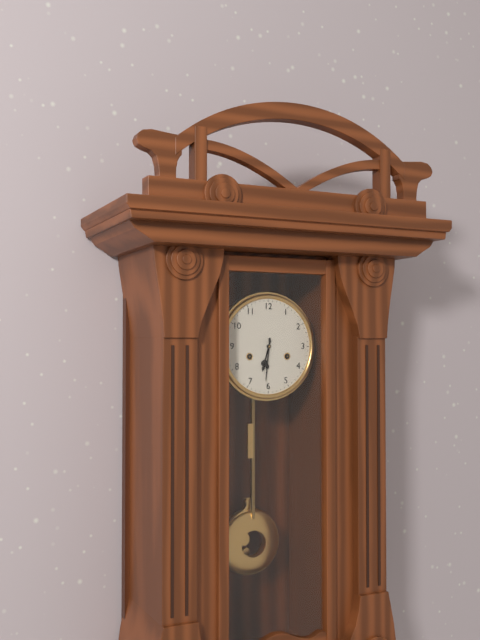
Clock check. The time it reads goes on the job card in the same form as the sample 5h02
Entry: 6h31
